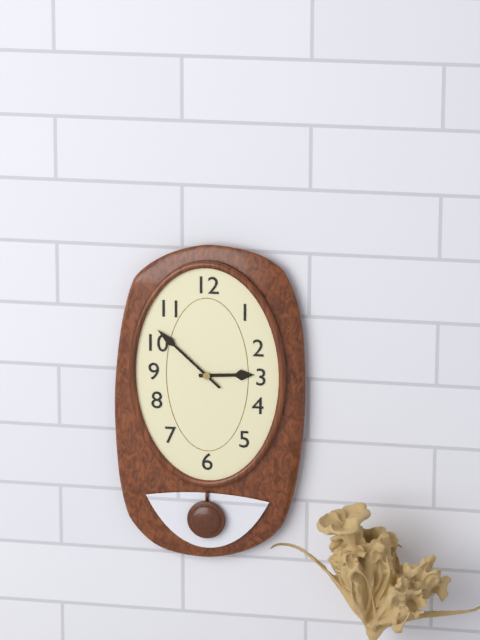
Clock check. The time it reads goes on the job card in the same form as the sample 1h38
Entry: 2h52
